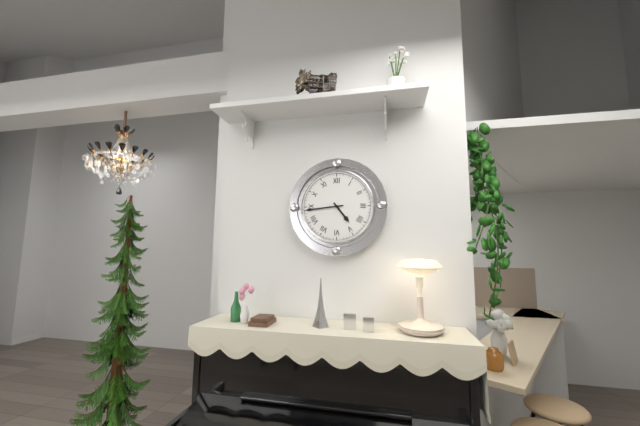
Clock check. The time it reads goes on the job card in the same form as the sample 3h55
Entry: 4h44
